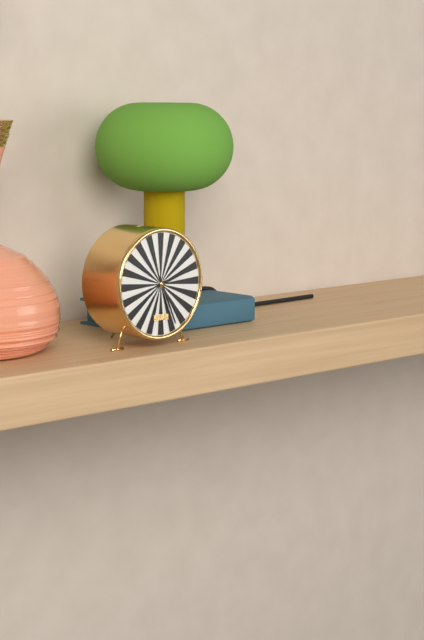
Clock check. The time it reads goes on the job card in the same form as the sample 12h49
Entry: 2h26
